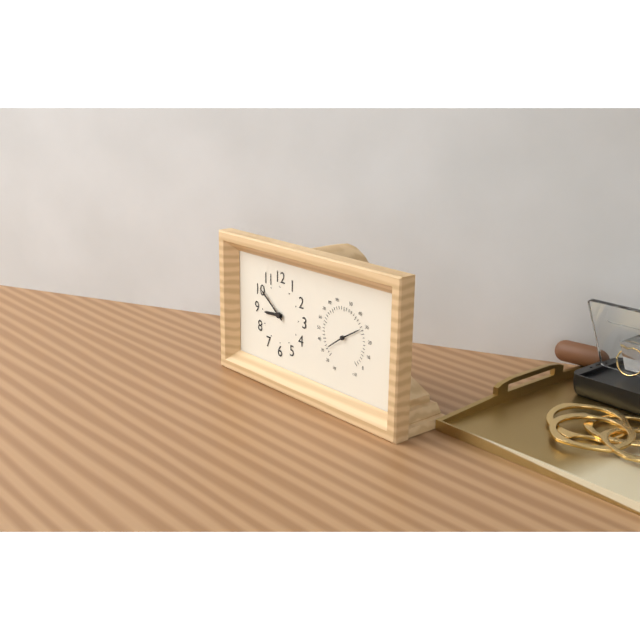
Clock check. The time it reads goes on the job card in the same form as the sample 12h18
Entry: 8h51
